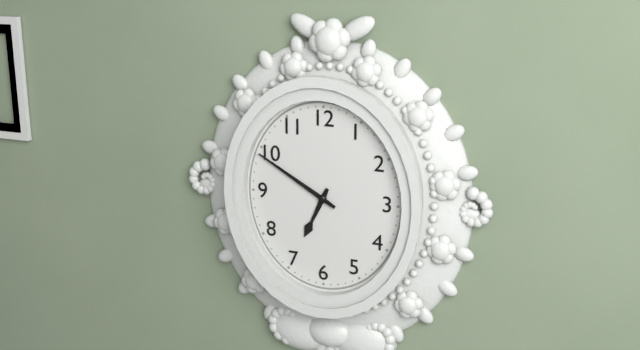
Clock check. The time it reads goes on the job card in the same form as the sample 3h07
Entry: 6h50
